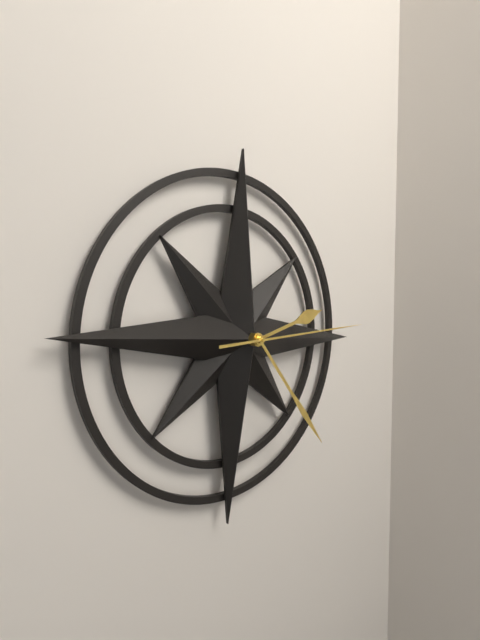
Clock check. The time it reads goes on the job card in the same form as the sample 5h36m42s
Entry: 2h23m14s
